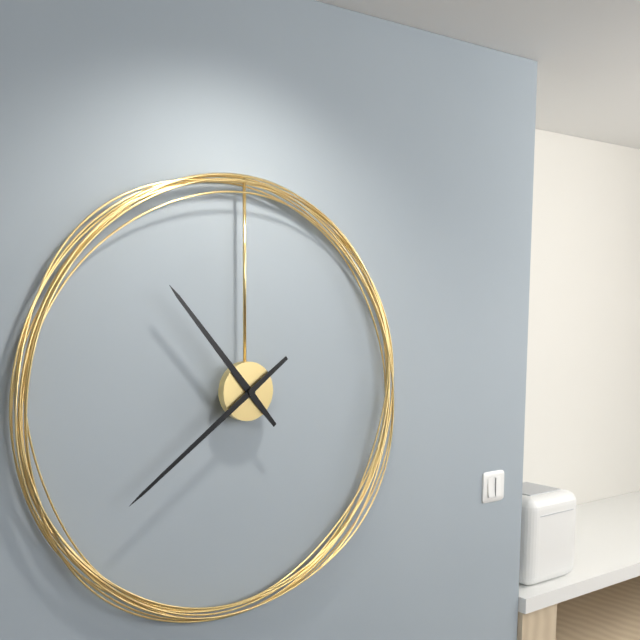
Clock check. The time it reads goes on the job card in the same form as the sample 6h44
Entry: 10h39
